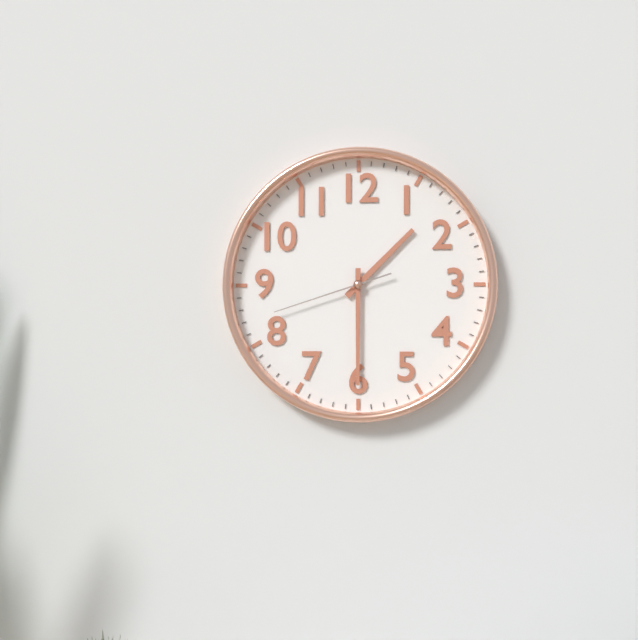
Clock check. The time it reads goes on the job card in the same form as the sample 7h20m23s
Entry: 1h30m42s
